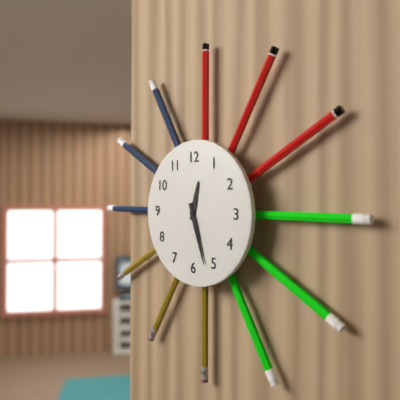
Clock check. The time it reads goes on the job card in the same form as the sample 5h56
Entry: 12h27
